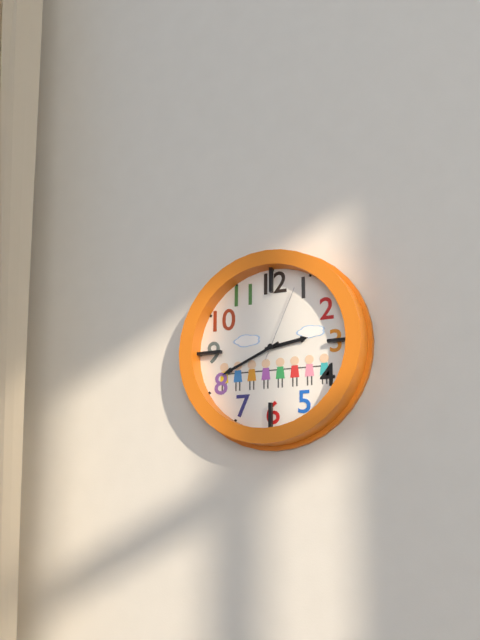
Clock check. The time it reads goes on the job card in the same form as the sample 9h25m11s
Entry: 2h41m04s
